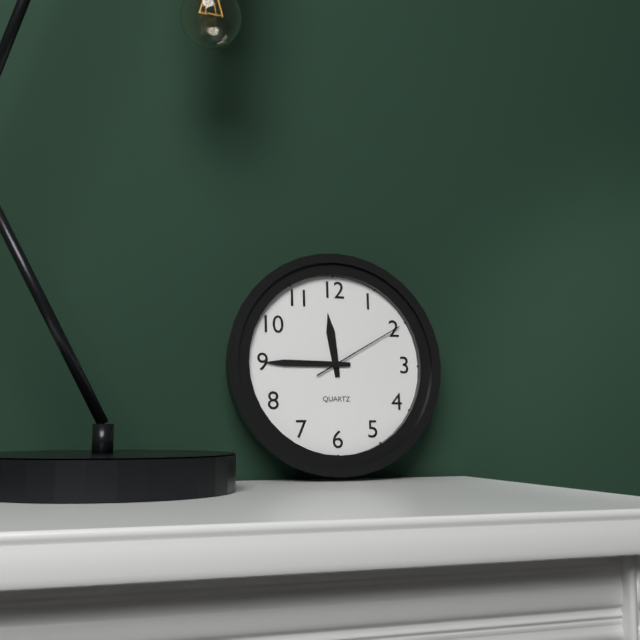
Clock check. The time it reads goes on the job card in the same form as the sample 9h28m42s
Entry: 11h45m10s
